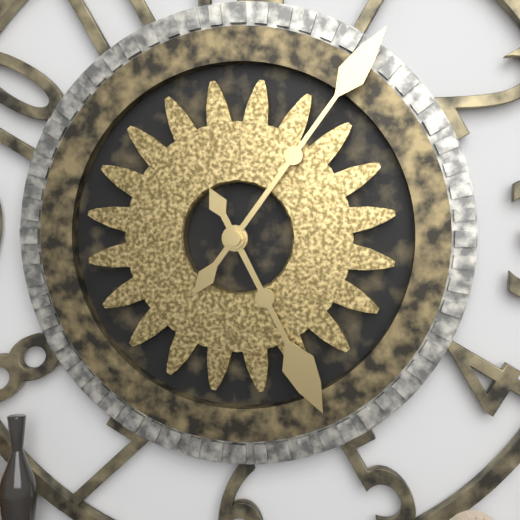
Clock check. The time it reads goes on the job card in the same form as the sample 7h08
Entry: 5h06
